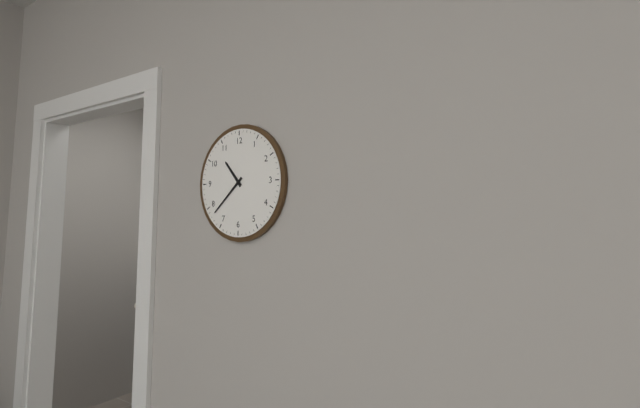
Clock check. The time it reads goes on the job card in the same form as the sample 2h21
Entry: 10h38
